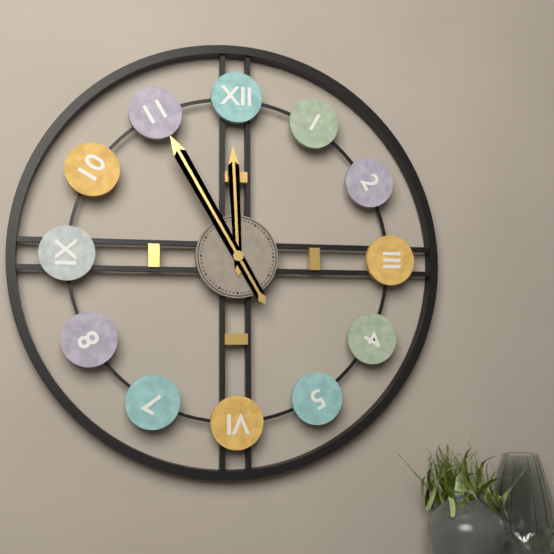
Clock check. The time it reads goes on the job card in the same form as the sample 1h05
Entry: 11h55
